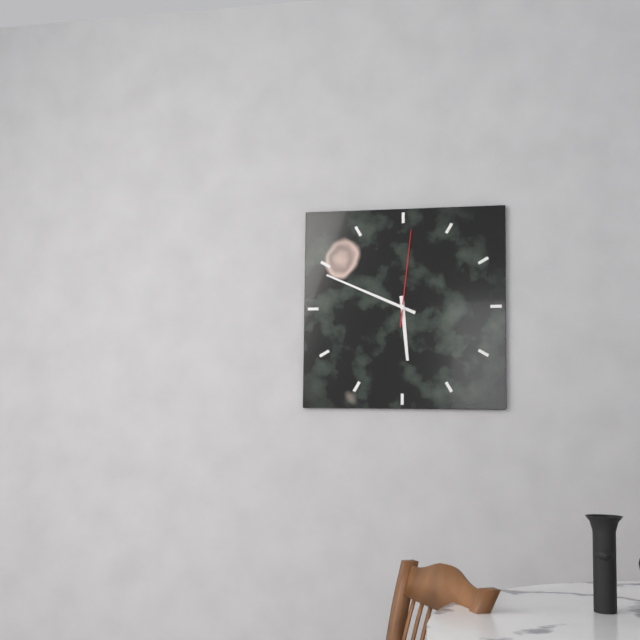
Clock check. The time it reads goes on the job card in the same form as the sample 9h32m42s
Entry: 5h49m01s
